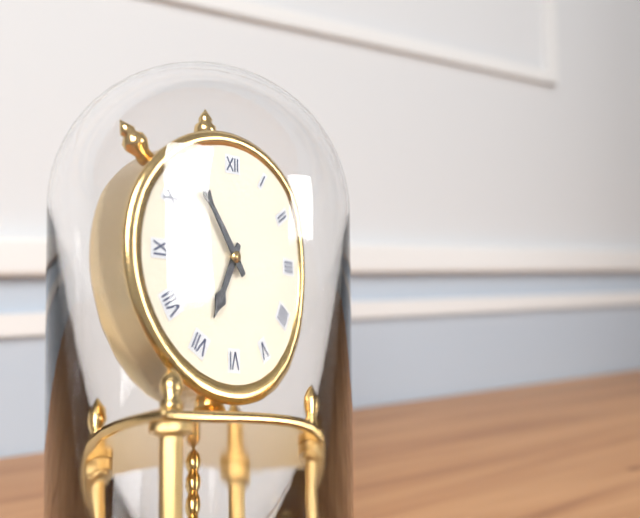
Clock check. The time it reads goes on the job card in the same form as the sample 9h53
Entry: 6h54
